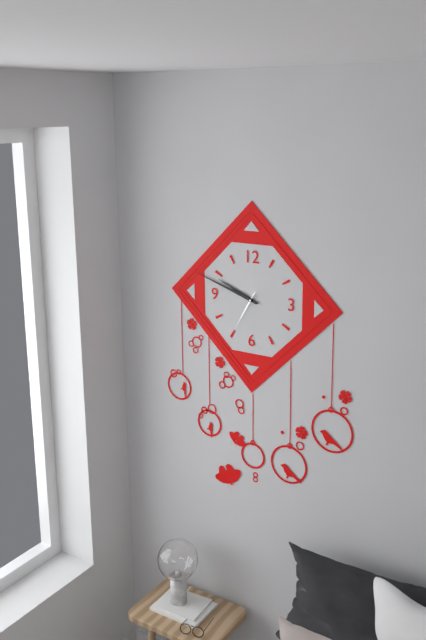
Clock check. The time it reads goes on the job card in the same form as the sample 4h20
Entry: 9h48
